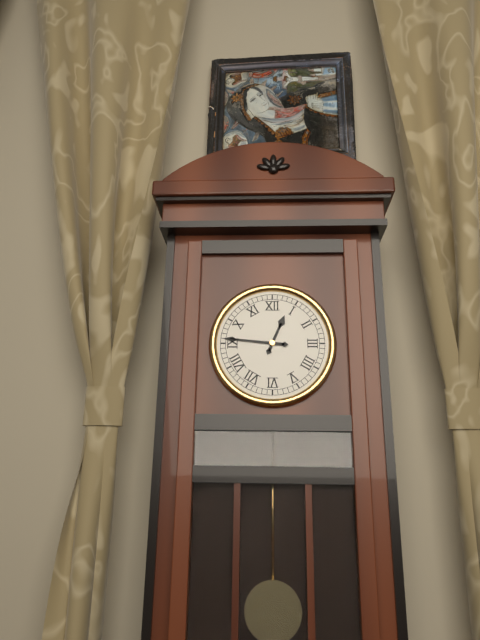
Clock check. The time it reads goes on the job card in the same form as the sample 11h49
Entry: 12h46
